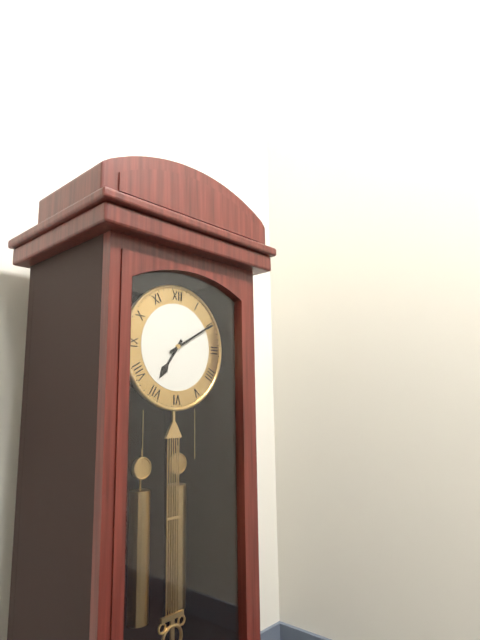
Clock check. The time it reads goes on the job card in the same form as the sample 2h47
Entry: 7h10
